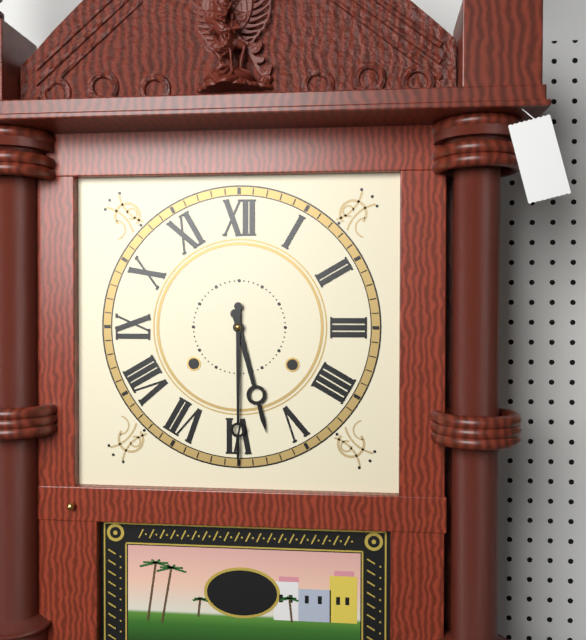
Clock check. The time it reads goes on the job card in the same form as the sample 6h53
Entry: 5h30
